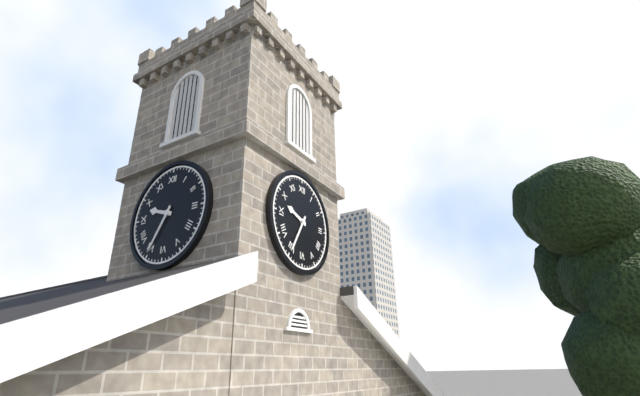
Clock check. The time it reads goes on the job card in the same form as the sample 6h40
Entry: 9h35
